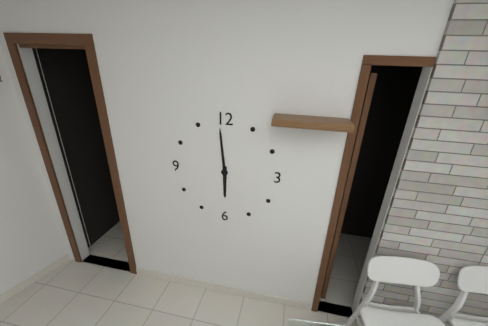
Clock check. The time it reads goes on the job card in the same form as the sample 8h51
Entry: 5h59
